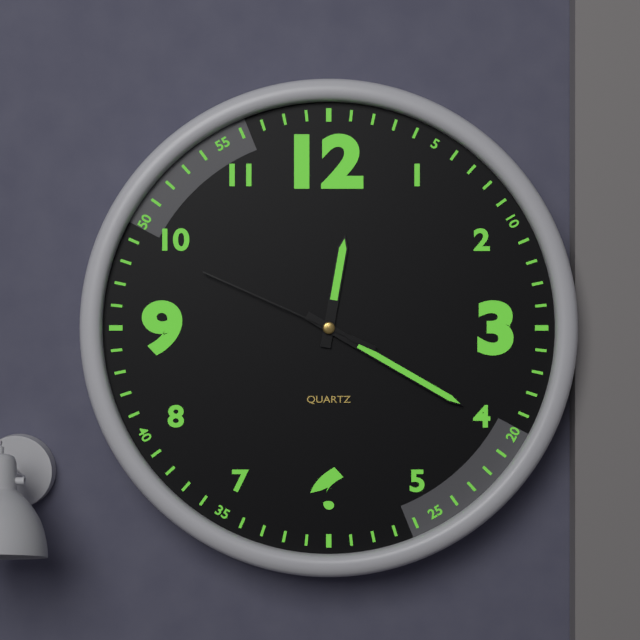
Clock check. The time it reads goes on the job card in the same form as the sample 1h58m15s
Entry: 12h20m49s
